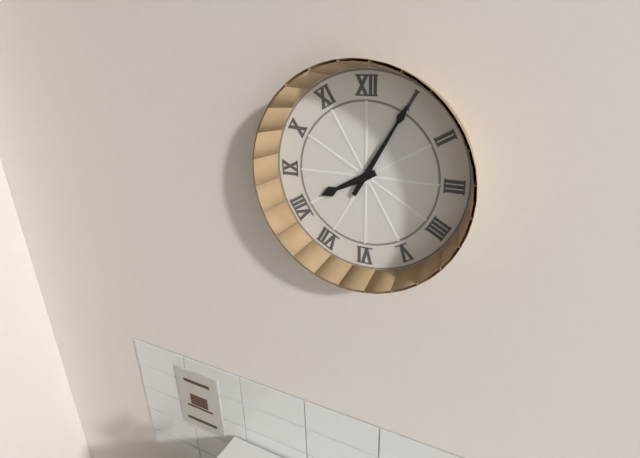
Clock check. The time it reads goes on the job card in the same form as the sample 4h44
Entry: 8h05
